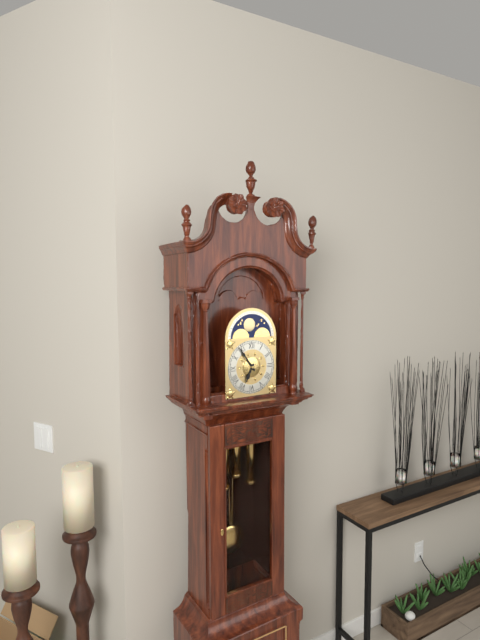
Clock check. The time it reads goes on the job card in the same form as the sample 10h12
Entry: 6h54
